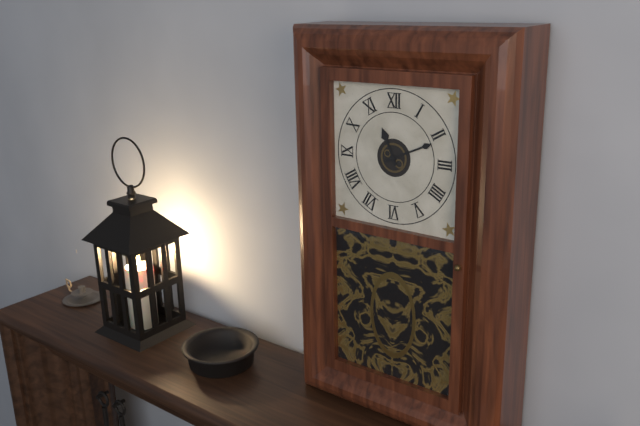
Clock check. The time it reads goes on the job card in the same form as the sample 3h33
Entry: 11h11
